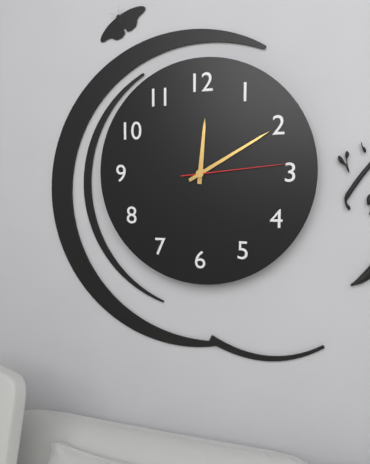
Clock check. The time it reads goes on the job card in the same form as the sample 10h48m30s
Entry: 12h10m14s
